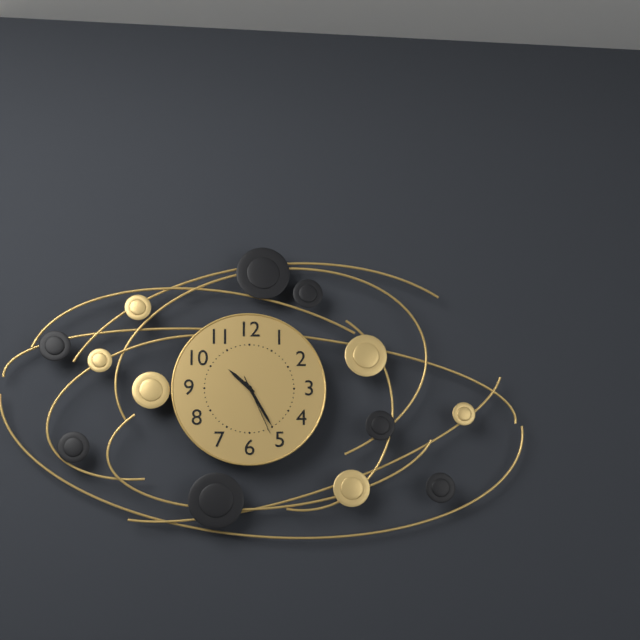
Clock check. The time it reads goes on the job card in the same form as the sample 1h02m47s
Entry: 10h25m26s
